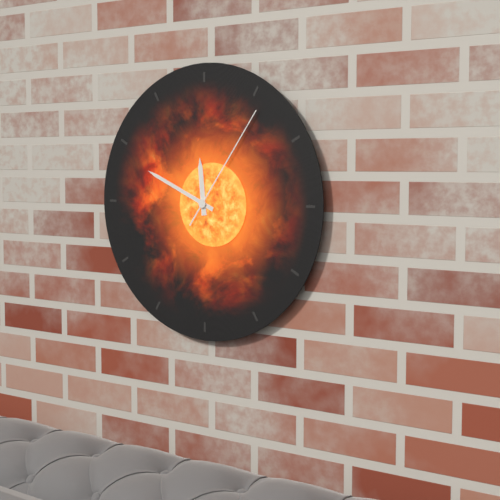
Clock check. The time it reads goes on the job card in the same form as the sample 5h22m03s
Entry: 11h49m06s
